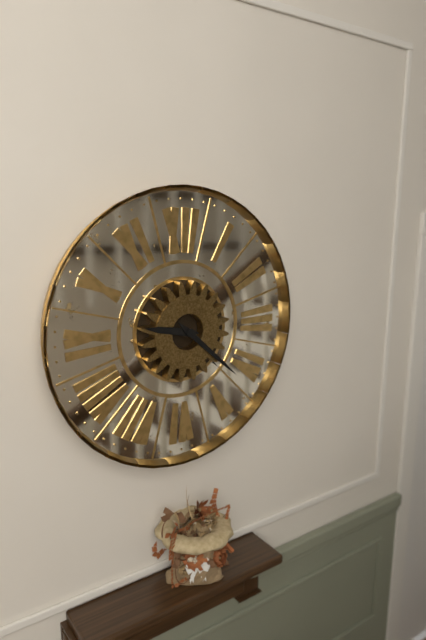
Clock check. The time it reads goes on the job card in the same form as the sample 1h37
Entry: 9h22
